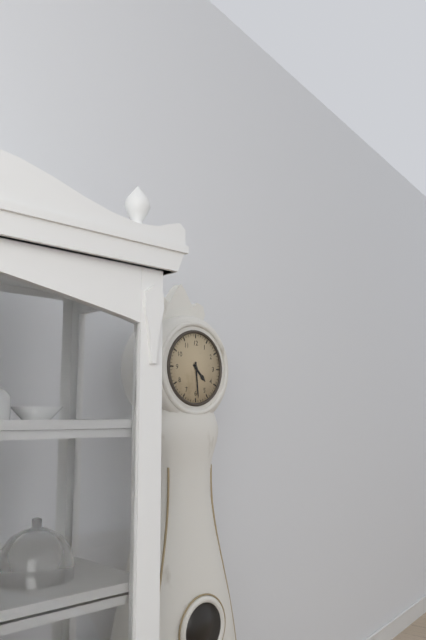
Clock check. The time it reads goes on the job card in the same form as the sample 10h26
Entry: 4h29
